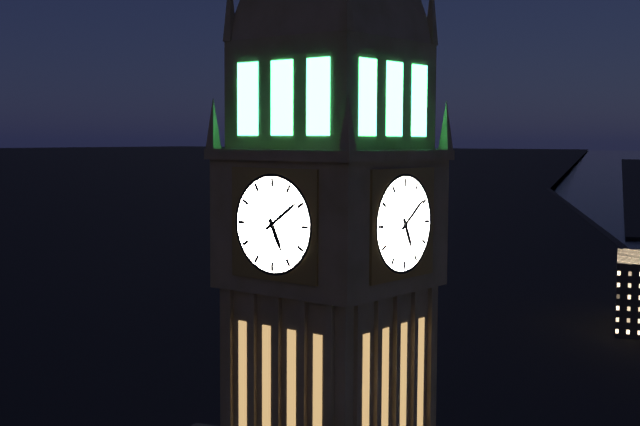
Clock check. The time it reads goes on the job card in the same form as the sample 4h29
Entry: 5h09
